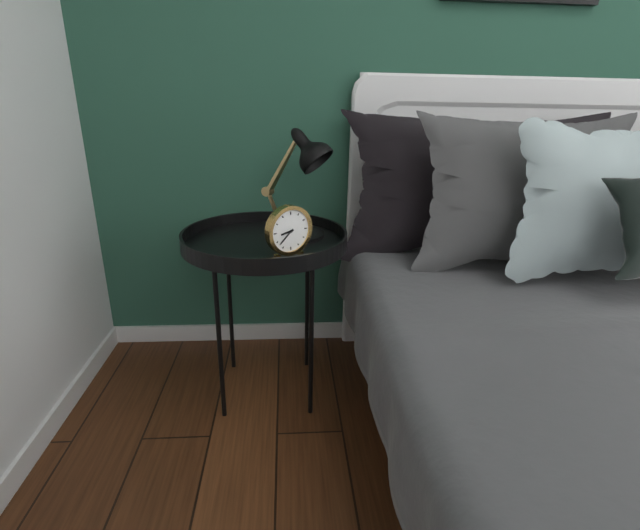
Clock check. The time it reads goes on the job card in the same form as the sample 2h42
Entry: 8h38
